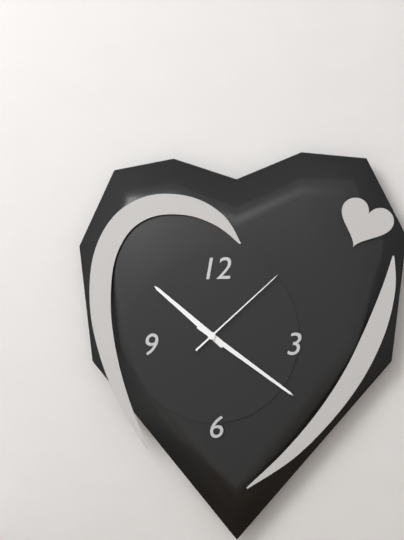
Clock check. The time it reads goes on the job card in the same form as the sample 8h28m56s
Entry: 10h21m08s
